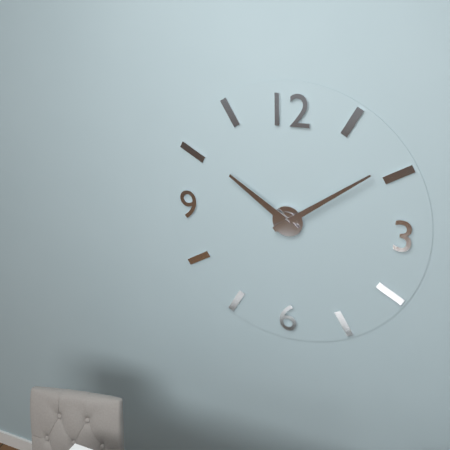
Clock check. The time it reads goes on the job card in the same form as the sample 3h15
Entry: 10h09
